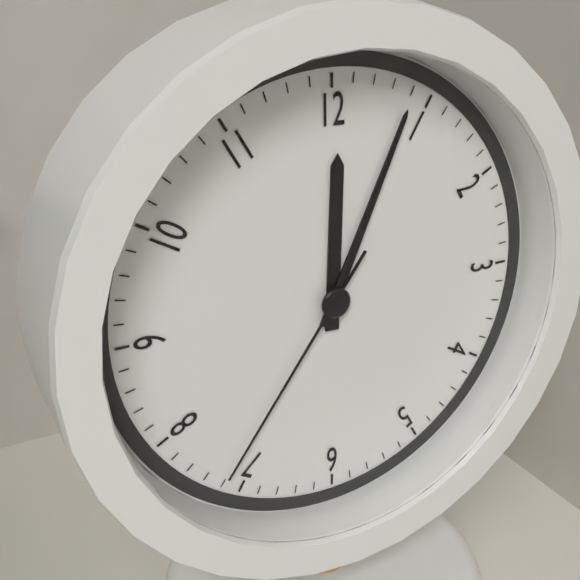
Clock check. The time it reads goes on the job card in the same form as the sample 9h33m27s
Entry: 12h04m36s
